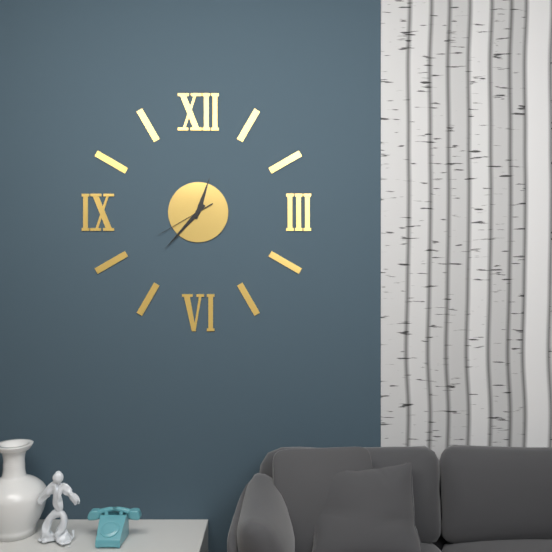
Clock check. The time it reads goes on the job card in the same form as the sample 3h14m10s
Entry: 12h37m40s
